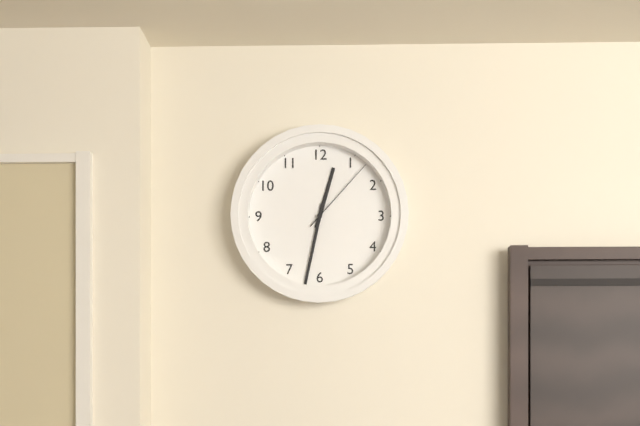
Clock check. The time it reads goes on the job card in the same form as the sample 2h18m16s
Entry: 12h32m07s
